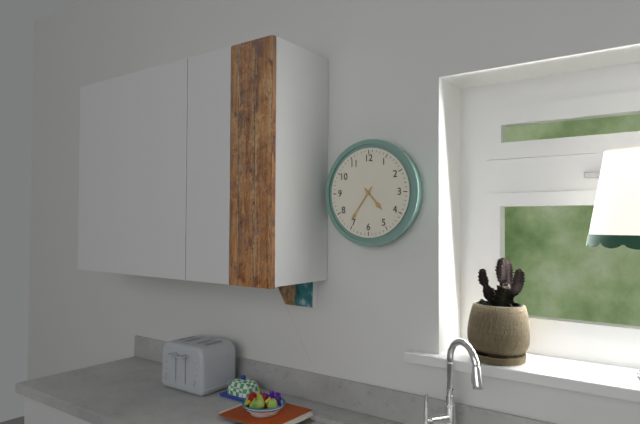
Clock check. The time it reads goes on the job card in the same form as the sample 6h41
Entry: 4h36
